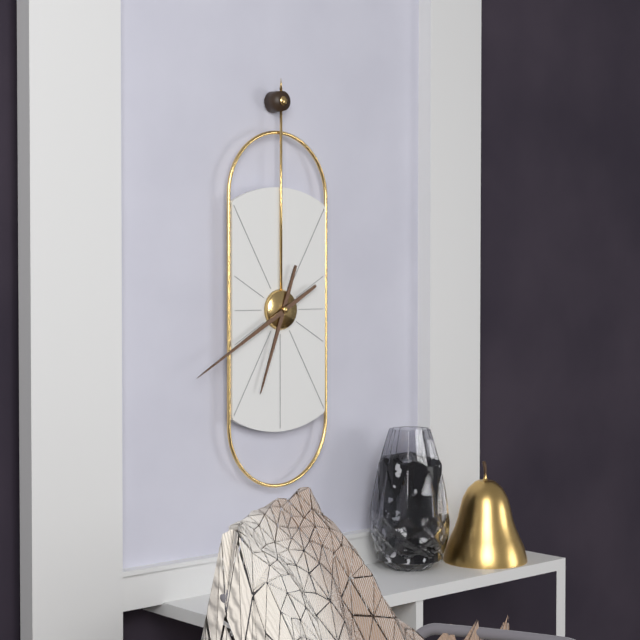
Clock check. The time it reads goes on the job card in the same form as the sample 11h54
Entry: 6h40
